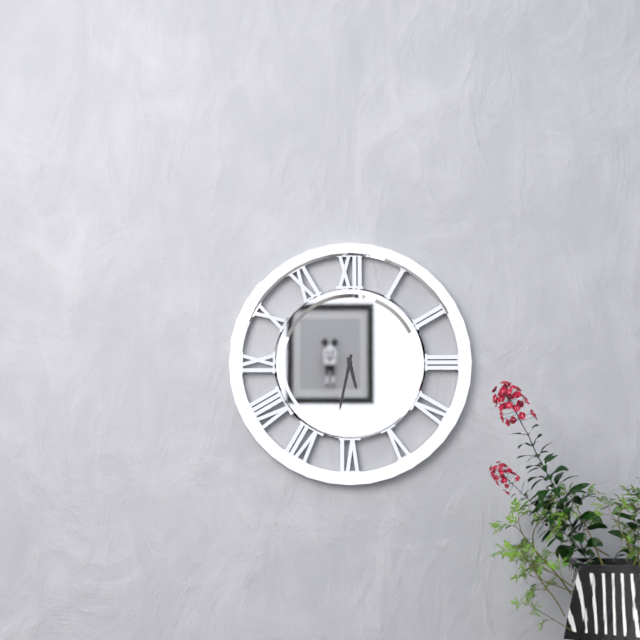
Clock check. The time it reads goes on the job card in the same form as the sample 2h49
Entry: 5h32
